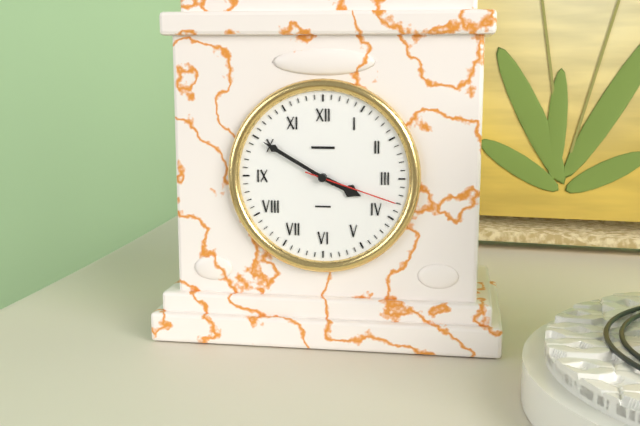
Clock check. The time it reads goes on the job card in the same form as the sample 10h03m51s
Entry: 3h50m18s
